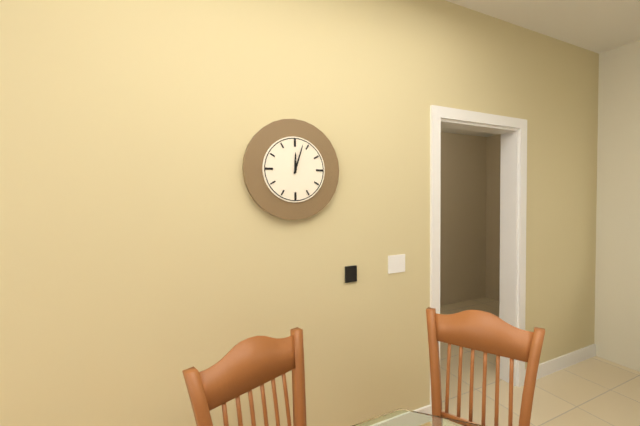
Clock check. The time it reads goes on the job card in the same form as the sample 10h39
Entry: 12h03
